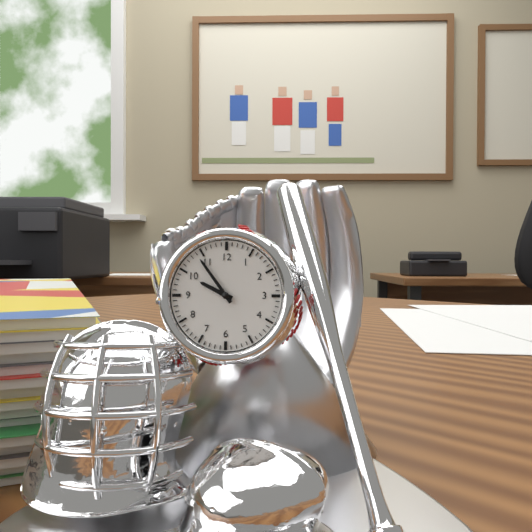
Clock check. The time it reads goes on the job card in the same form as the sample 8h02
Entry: 9h54
